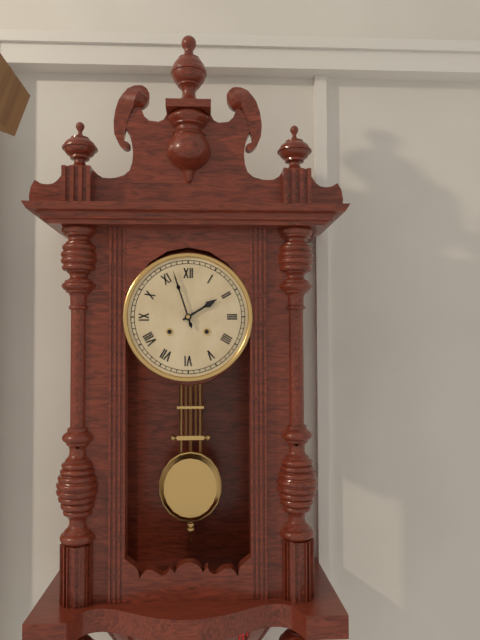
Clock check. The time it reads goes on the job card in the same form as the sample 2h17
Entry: 1h57
